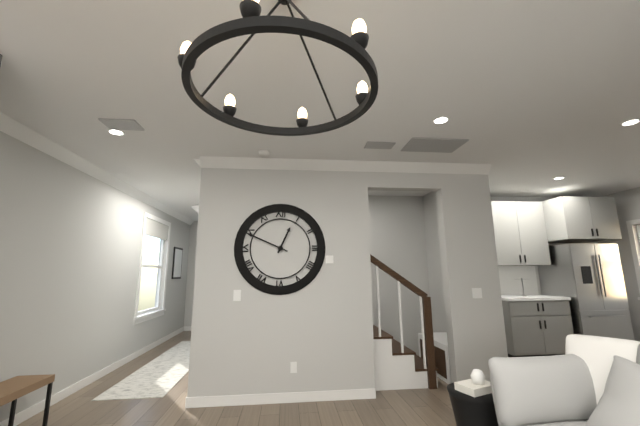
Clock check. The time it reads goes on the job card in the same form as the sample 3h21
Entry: 12h49
